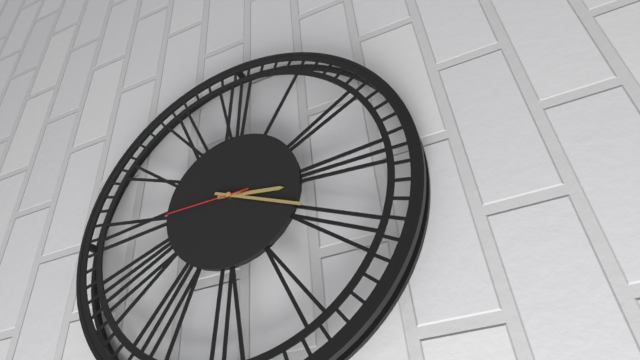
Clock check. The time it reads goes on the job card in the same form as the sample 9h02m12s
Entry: 3h19m45s
